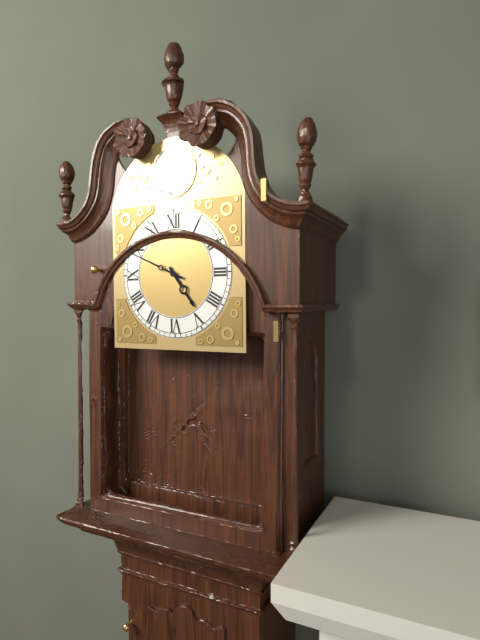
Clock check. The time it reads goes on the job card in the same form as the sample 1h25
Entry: 4h49
